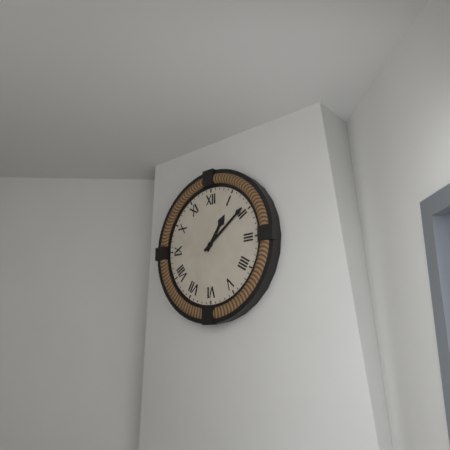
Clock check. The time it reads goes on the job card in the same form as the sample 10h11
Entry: 1h09
